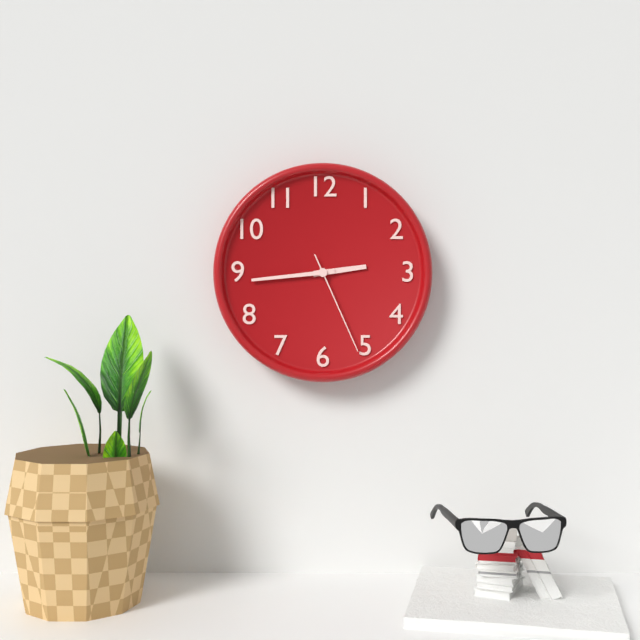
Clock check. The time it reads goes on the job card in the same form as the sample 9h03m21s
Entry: 2h44m26s
